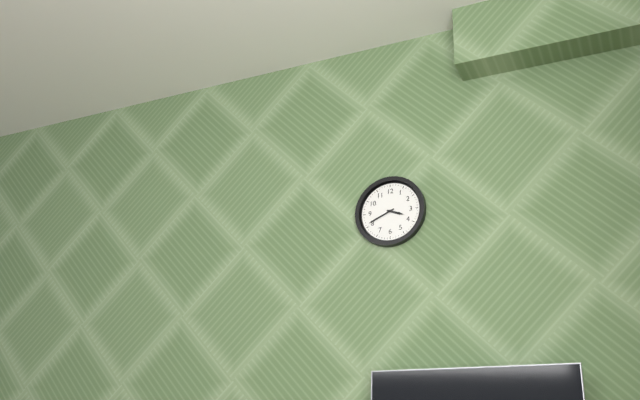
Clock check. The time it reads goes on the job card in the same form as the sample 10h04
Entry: 3h41
